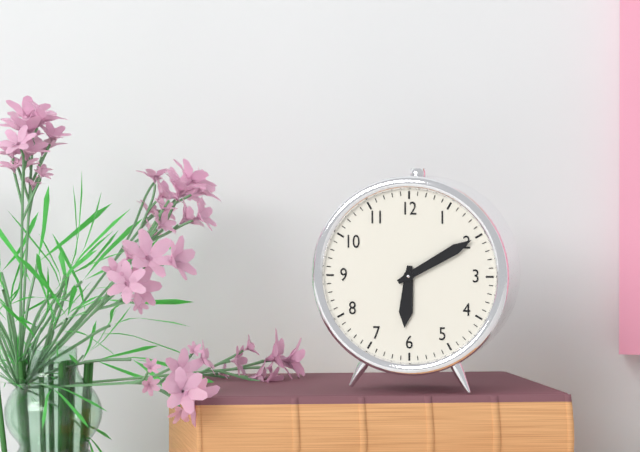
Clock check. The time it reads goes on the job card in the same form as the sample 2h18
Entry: 6h10
